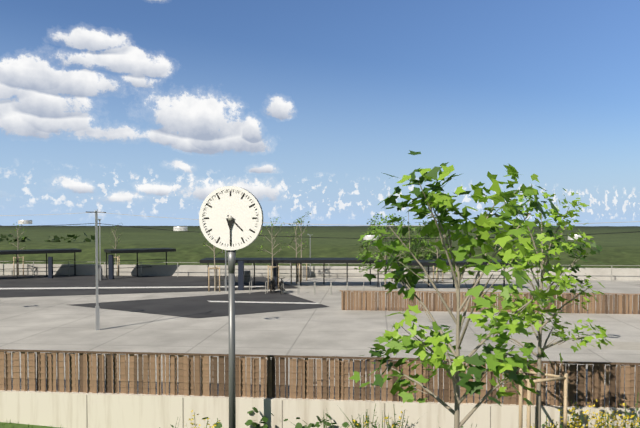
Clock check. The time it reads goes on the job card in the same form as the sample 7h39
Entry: 4h30
